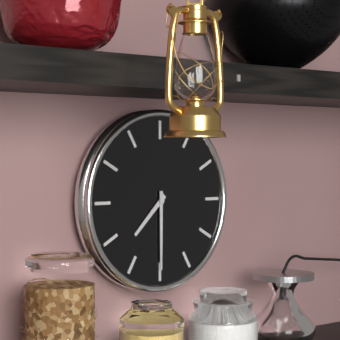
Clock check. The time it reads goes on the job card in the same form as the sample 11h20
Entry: 7h30
